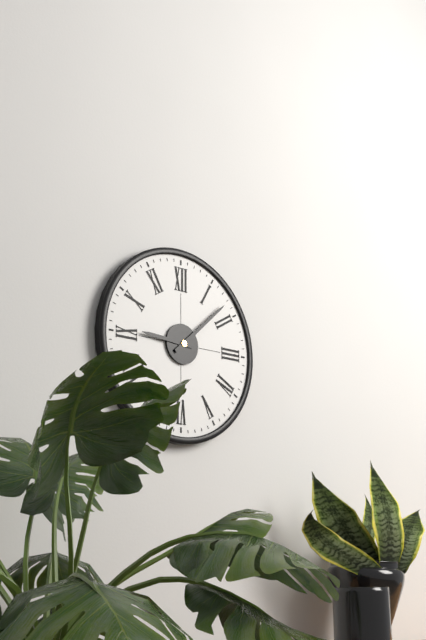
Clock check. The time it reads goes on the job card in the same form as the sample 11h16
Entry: 9h08
